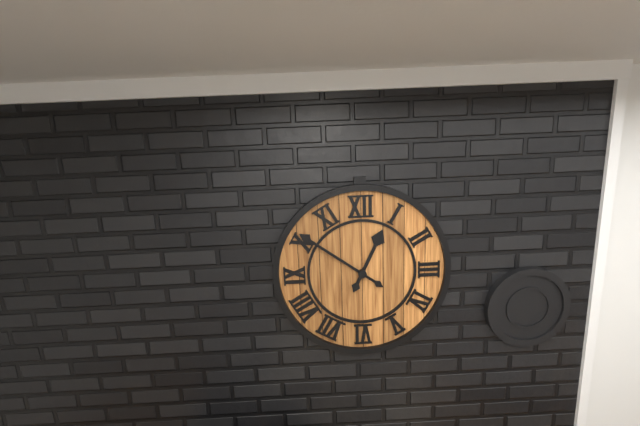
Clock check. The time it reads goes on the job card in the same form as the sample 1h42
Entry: 12h51
